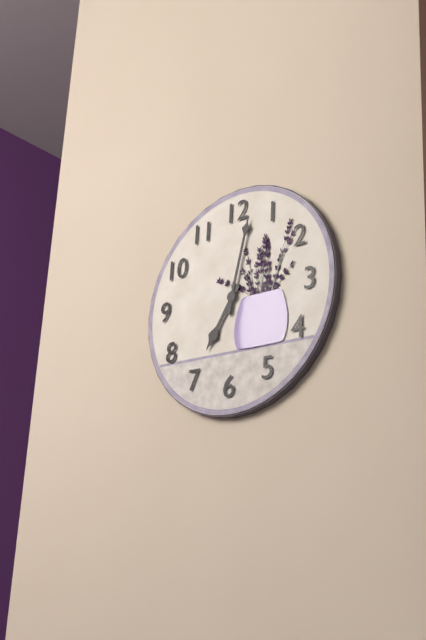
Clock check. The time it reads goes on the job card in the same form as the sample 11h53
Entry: 7h02
